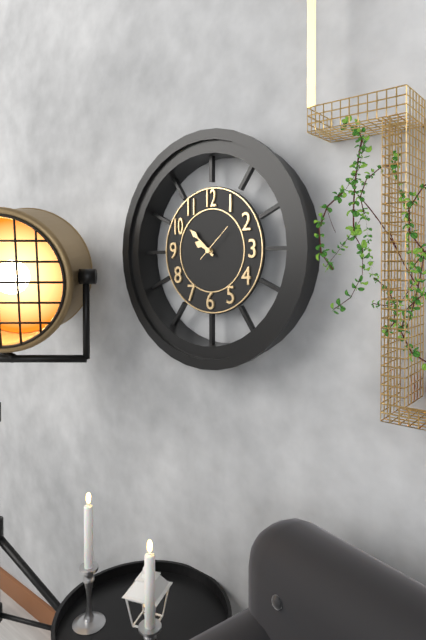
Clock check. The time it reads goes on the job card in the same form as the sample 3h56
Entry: 9h52
